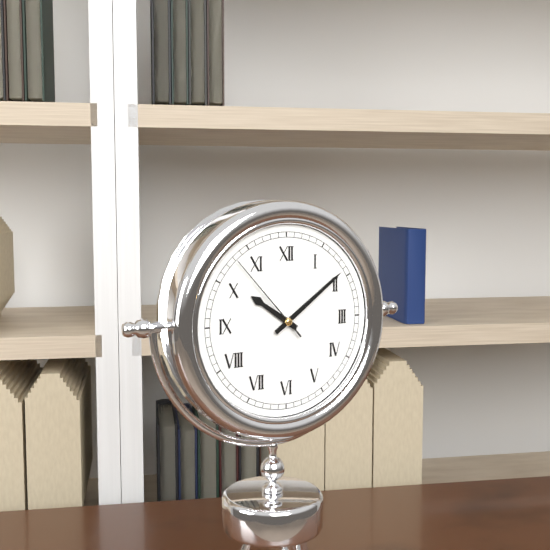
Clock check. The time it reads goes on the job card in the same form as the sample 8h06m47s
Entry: 10h09m53s
